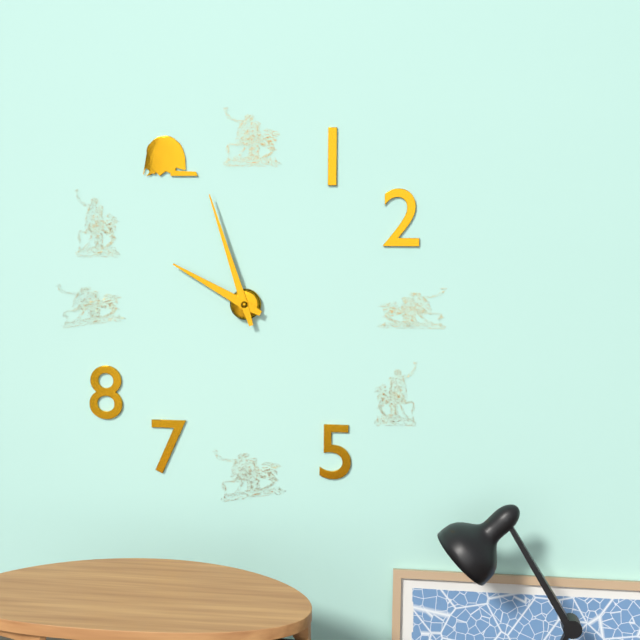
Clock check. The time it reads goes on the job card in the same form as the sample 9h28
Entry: 9h57
